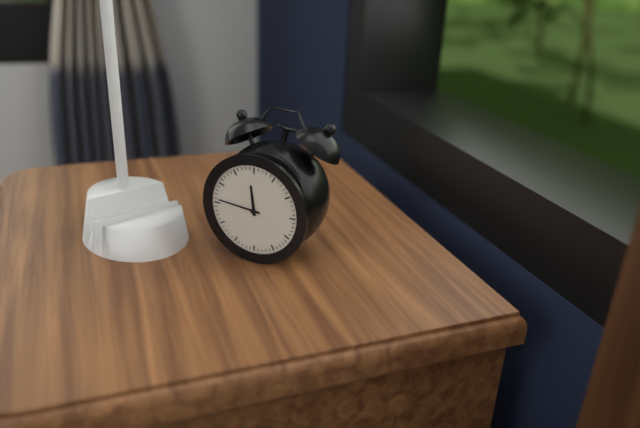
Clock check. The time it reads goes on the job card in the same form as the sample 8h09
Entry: 11h46
